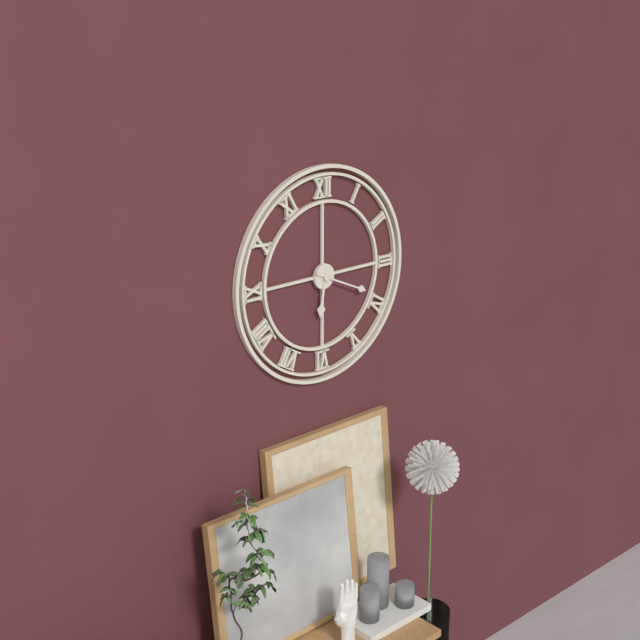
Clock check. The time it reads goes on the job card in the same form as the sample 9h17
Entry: 6h19
